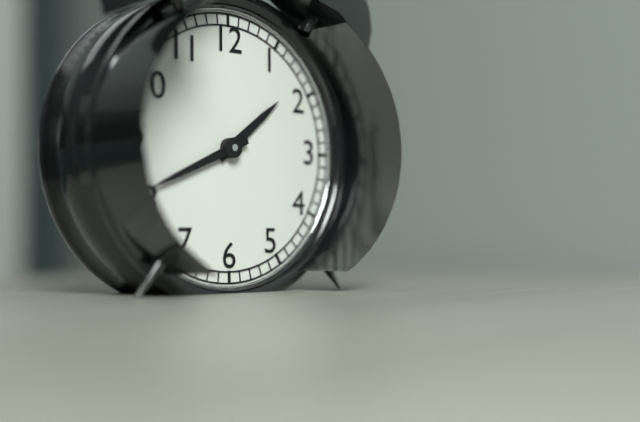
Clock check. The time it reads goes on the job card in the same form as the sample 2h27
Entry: 1h41
